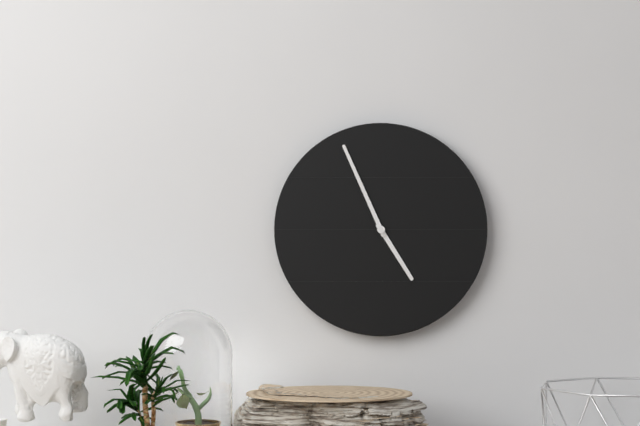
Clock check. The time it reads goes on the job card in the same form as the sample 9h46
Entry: 4h56
